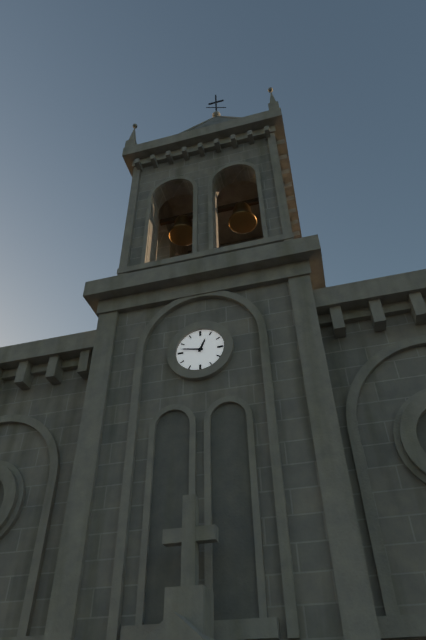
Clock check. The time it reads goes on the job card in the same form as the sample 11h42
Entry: 12h47
